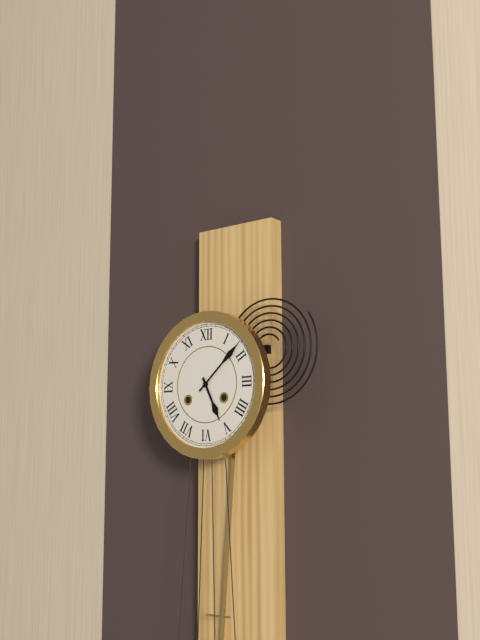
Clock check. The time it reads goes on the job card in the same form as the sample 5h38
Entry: 5h08
